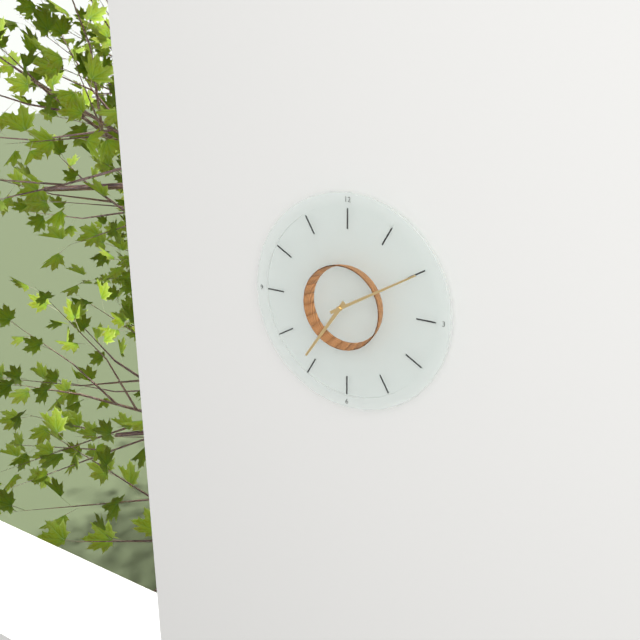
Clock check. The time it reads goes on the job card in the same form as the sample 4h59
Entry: 7h10
